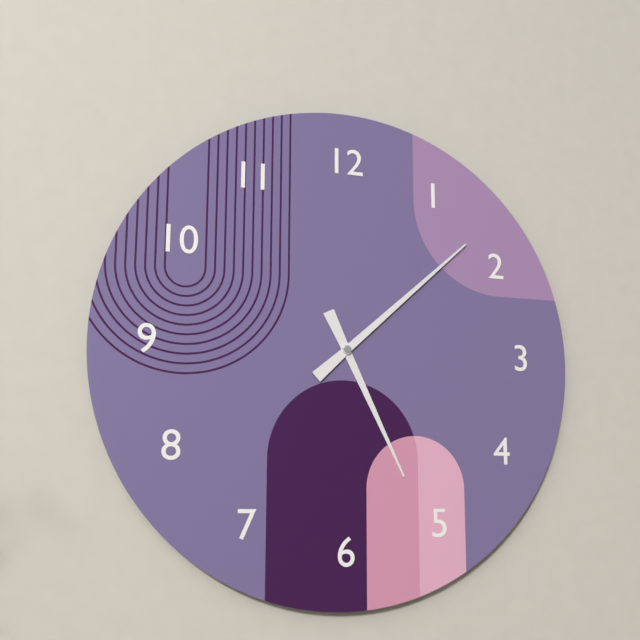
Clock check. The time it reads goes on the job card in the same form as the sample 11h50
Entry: 5h08
